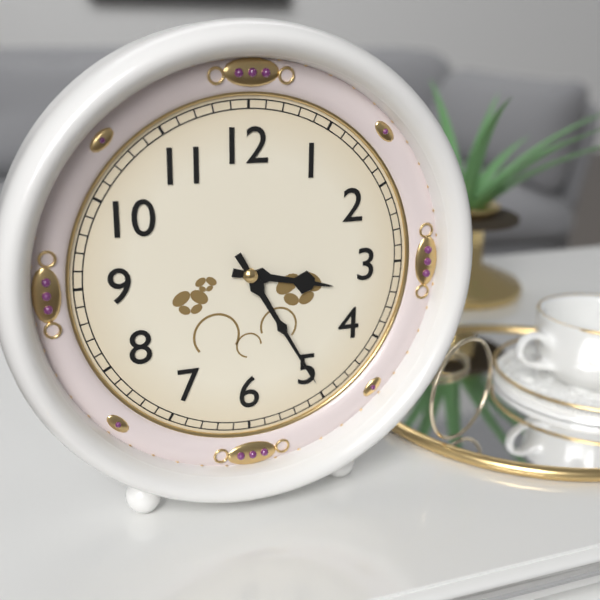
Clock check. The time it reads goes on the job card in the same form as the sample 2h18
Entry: 3h25
